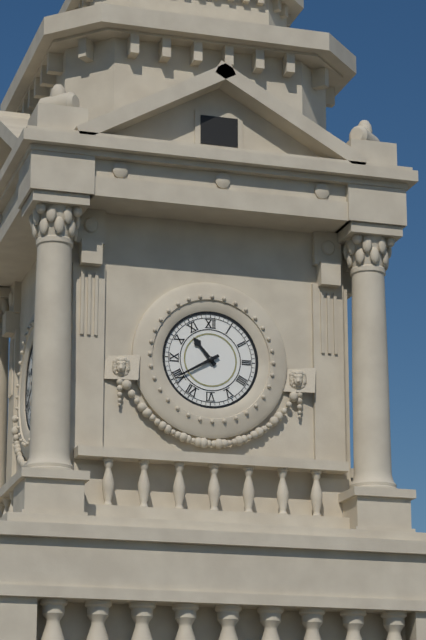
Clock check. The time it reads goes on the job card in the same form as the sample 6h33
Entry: 10h40
